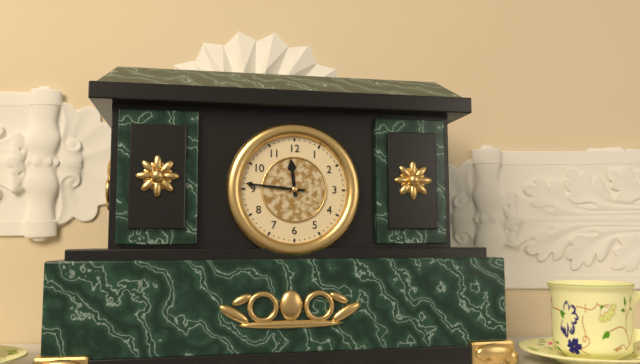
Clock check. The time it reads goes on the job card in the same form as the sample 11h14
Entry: 11h46
